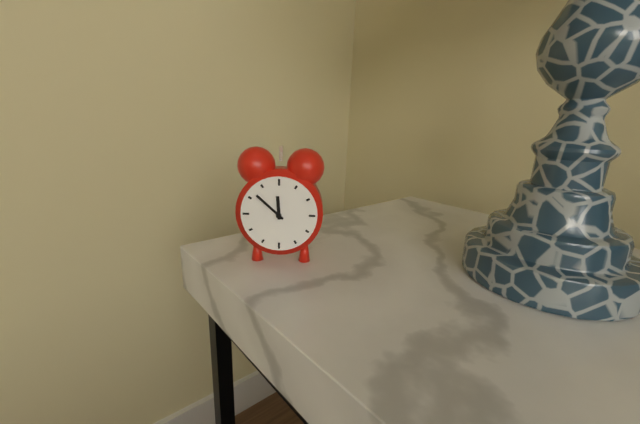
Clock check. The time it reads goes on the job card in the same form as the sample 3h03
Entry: 11h52
